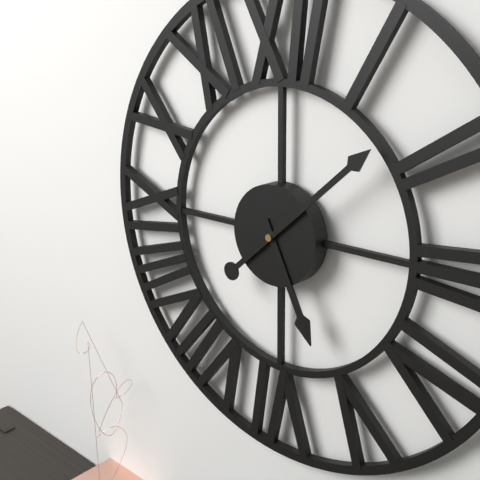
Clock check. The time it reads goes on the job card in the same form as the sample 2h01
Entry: 5h08
